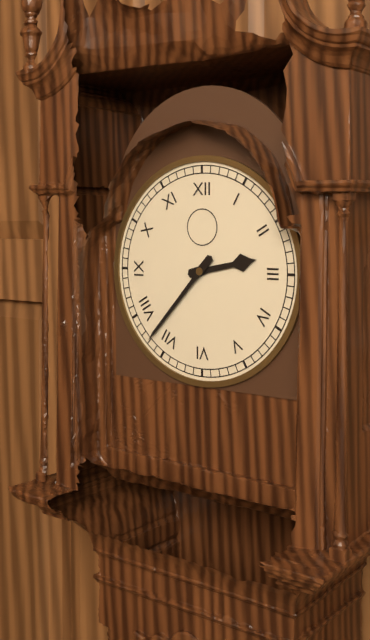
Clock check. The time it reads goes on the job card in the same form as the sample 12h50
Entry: 2h37
